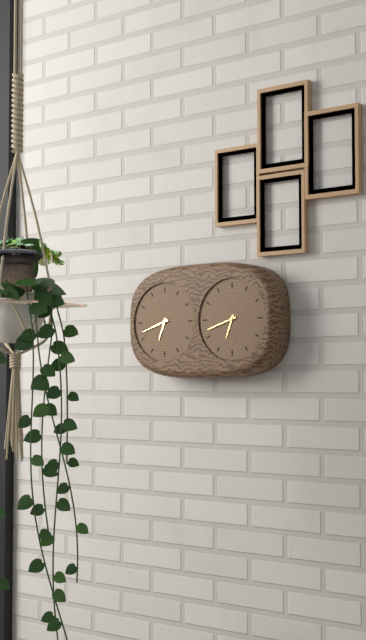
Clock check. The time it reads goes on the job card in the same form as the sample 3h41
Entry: 6h42
